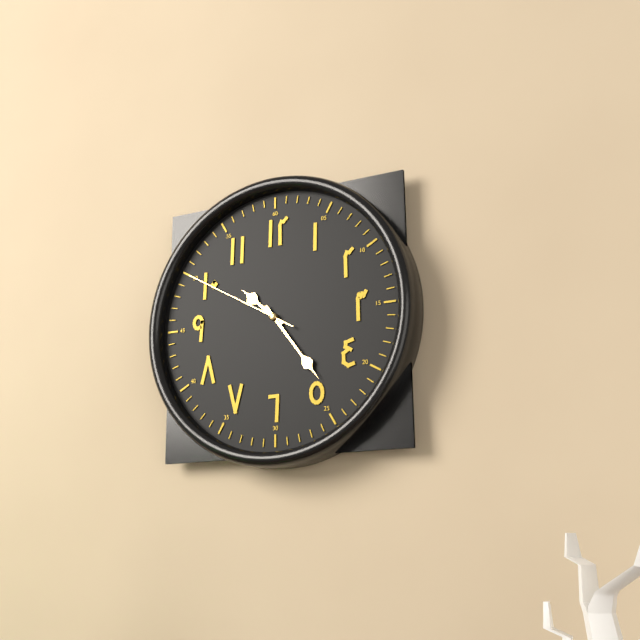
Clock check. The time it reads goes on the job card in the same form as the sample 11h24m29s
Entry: 10h24m50s
